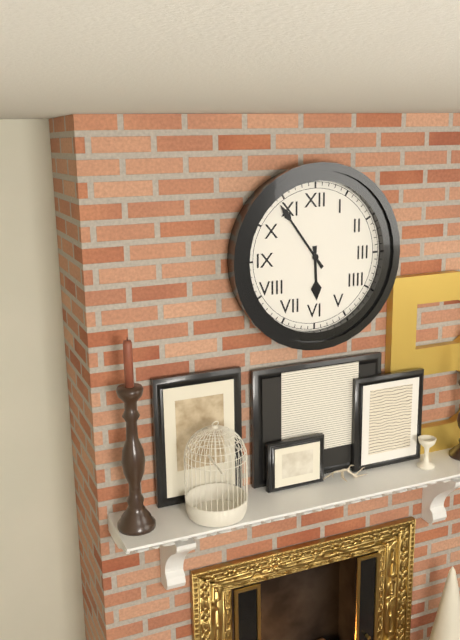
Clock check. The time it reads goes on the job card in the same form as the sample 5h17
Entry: 5h54
